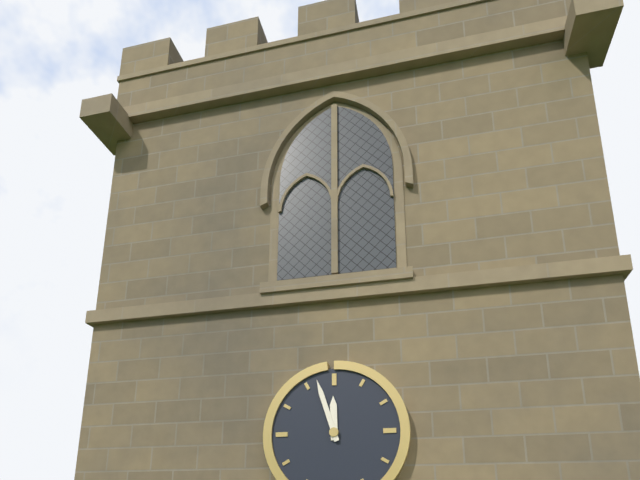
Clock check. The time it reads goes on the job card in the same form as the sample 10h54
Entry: 11h57
